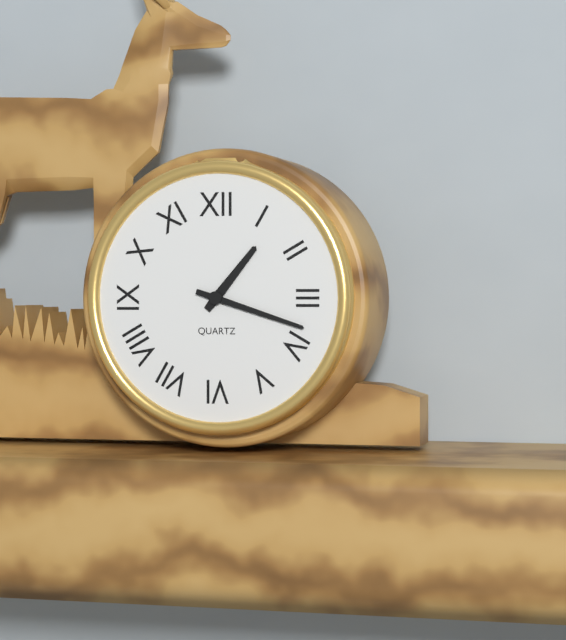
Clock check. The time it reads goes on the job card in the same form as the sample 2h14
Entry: 1h18
